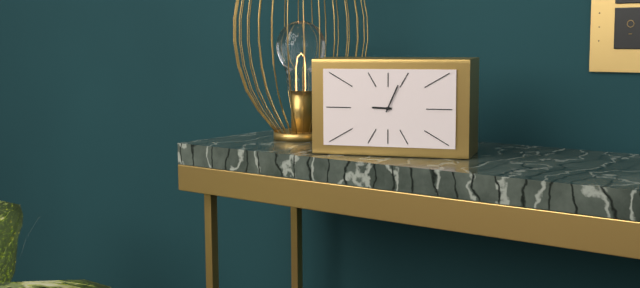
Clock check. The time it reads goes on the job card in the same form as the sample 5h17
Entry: 9h04
